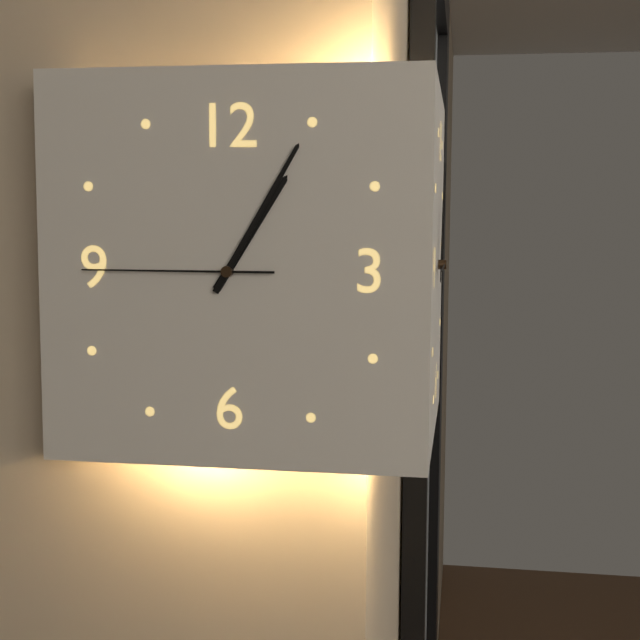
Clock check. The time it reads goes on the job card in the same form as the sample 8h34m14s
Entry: 1h05m45s
